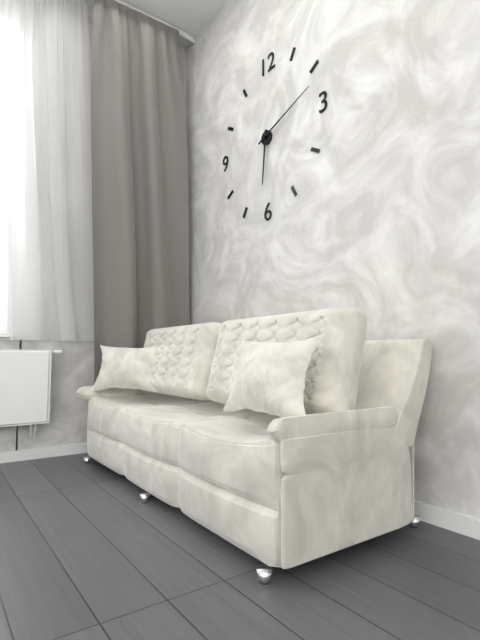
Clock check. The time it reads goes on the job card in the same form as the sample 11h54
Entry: 6h12
